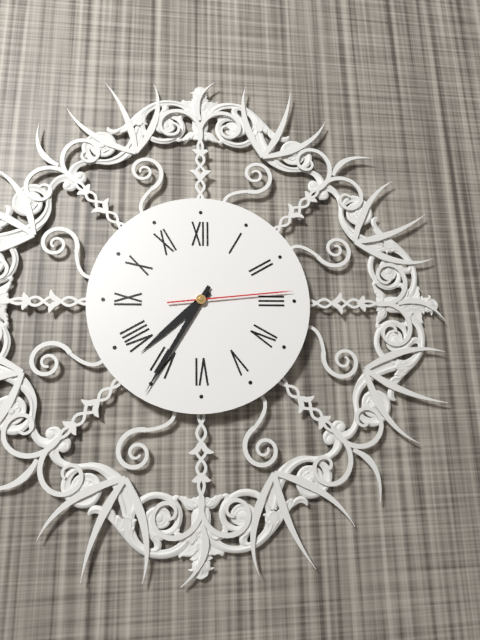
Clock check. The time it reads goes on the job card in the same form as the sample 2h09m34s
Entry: 7h35m14s
